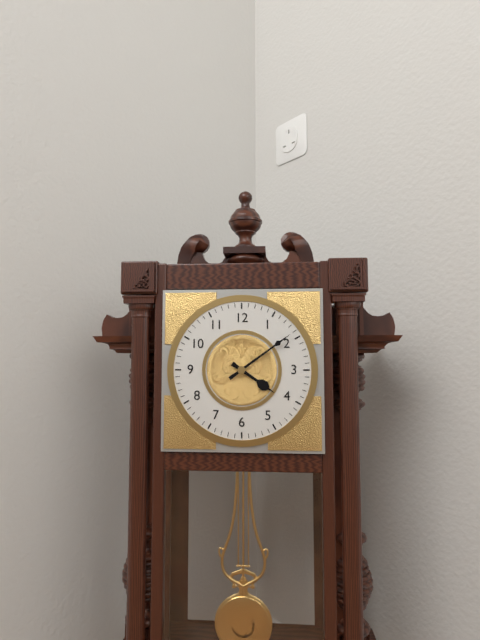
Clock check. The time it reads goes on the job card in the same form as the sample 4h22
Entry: 4h09
